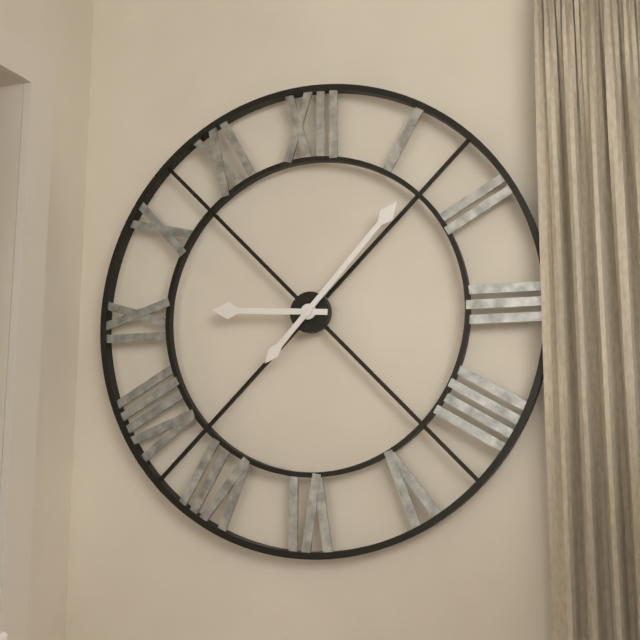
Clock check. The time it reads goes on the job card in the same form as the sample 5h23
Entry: 9h07
